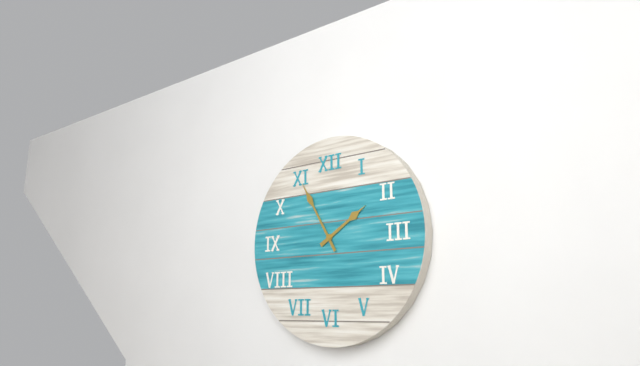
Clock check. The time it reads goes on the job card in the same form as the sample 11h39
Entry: 1h55
